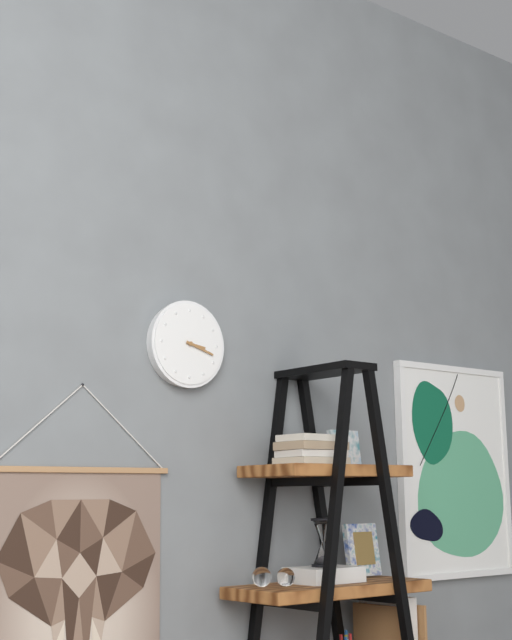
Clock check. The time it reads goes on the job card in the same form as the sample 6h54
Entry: 3h18
